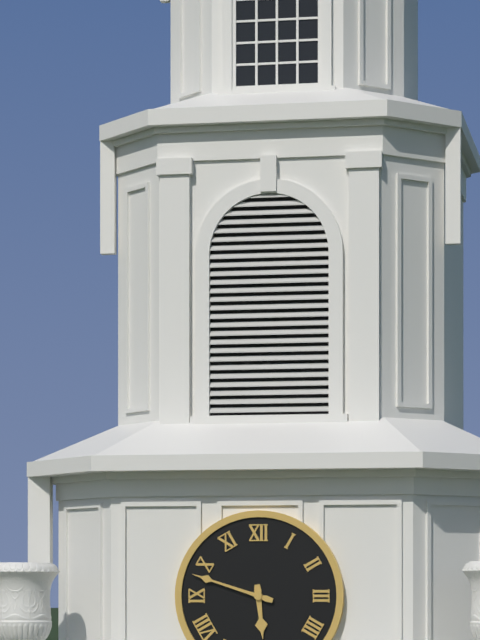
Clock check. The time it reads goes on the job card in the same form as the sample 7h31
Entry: 5h48
